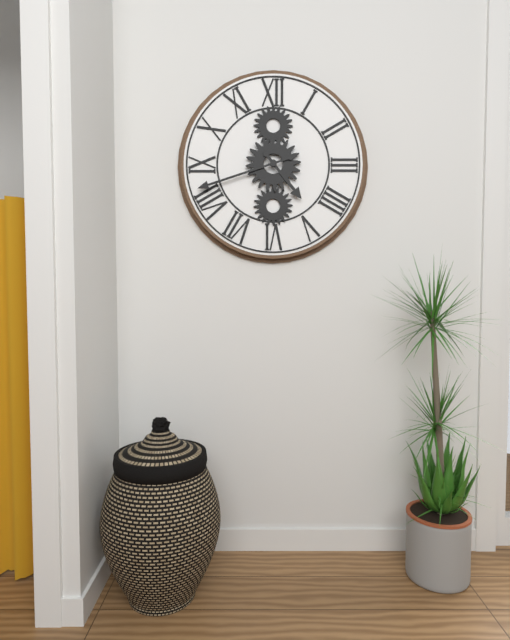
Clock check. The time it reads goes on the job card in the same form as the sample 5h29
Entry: 4h42
